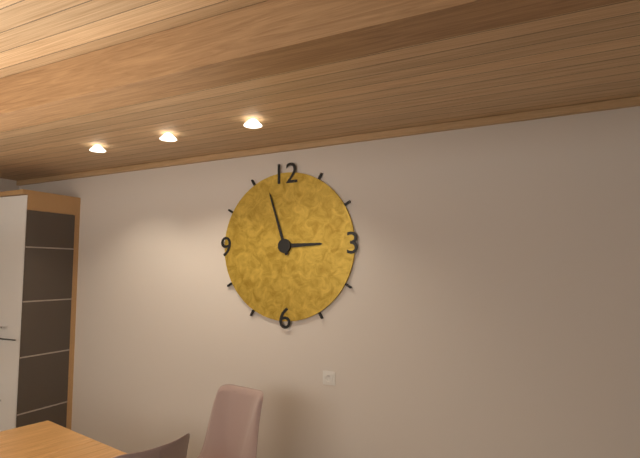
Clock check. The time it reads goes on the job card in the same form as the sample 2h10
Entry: 2h57
